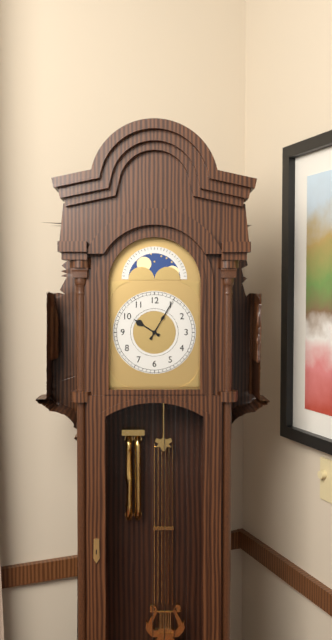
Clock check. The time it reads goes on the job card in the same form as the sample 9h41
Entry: 10h05
